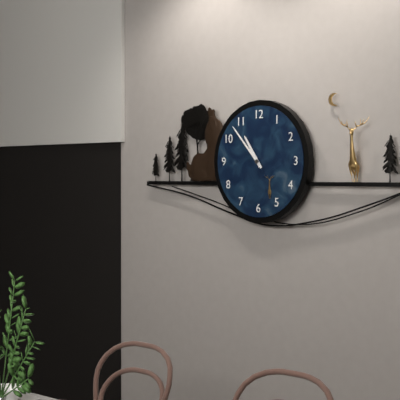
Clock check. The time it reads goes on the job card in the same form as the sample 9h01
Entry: 10h53
